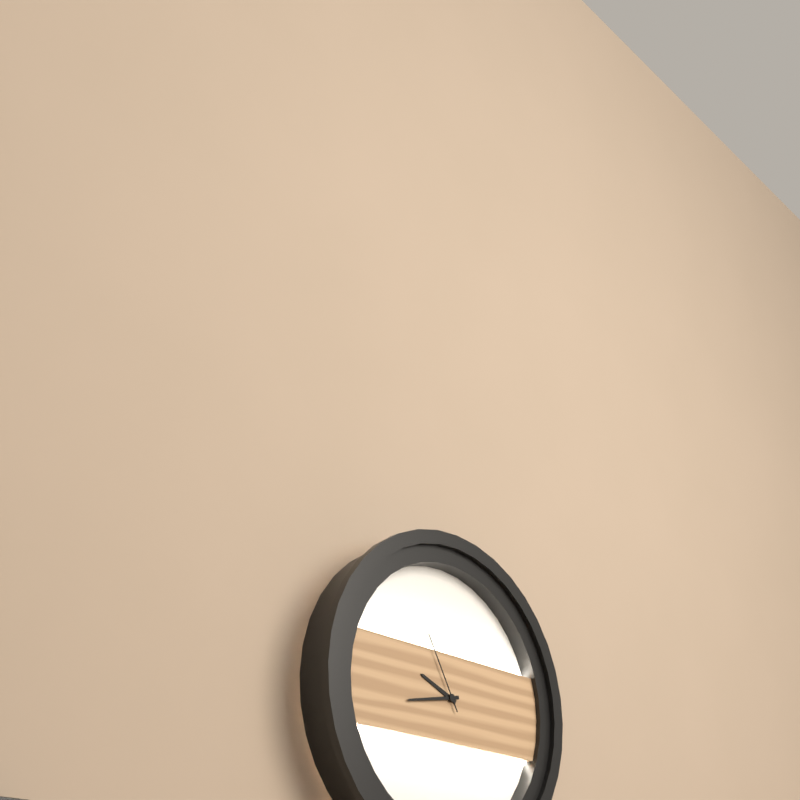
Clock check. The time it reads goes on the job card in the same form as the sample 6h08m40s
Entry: 9h43m55s
